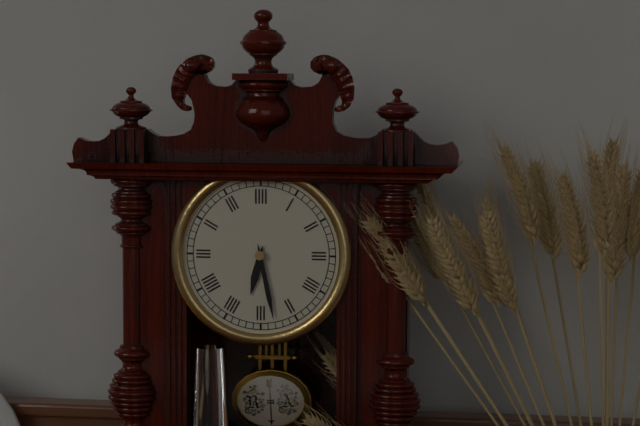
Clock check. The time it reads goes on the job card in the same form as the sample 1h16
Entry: 6h28
